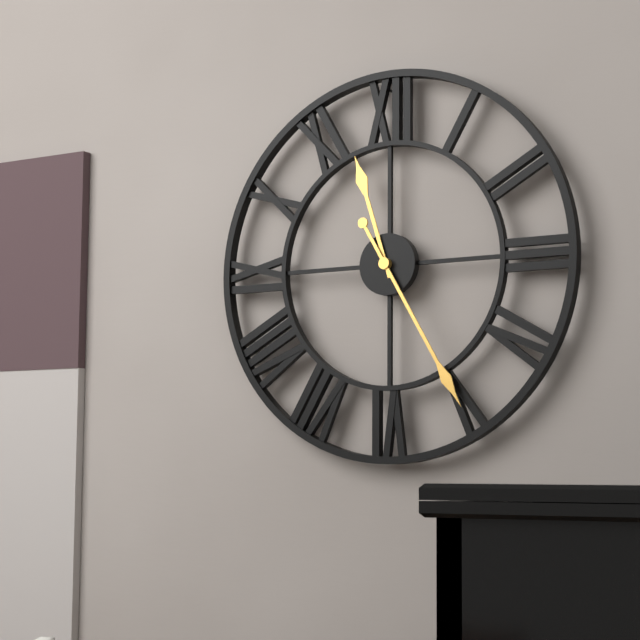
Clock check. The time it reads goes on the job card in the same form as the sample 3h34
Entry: 11h25
